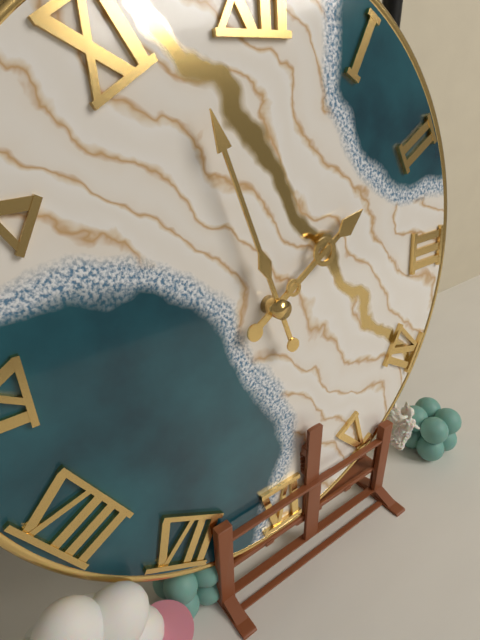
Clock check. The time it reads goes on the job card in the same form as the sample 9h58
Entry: 1h57
